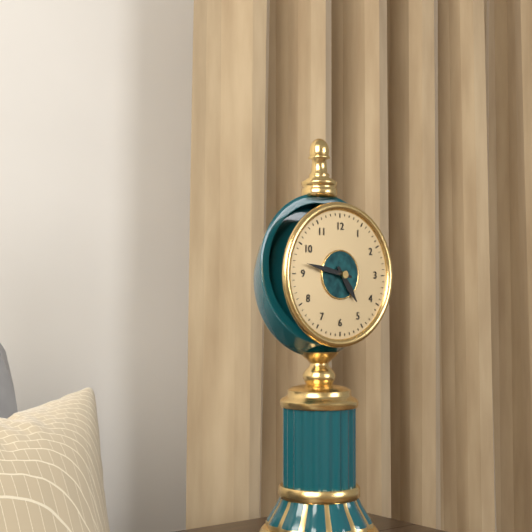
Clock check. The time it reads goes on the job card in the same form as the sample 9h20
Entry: 4h47
